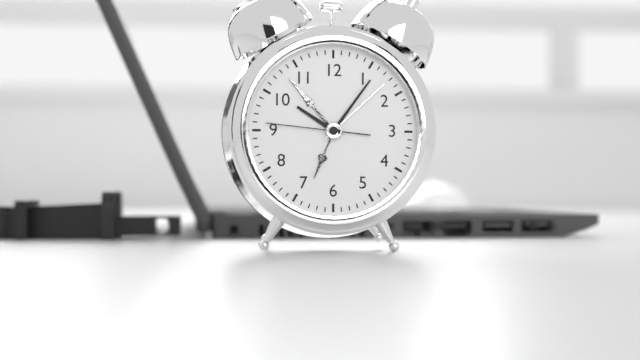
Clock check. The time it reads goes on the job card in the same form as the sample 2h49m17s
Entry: 10h06m46s
